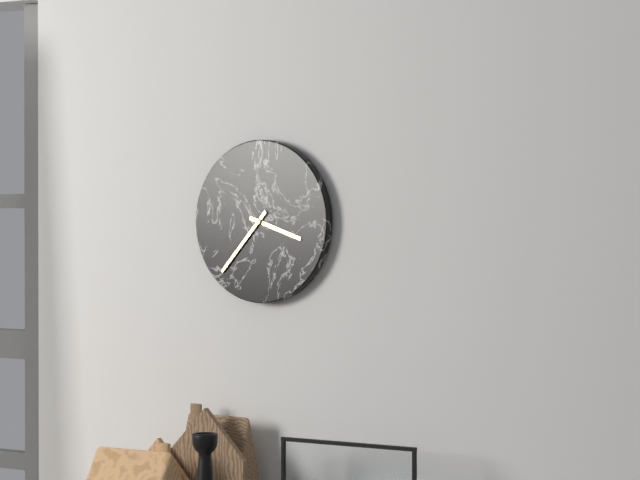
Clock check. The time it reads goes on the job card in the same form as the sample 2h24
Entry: 3h37
